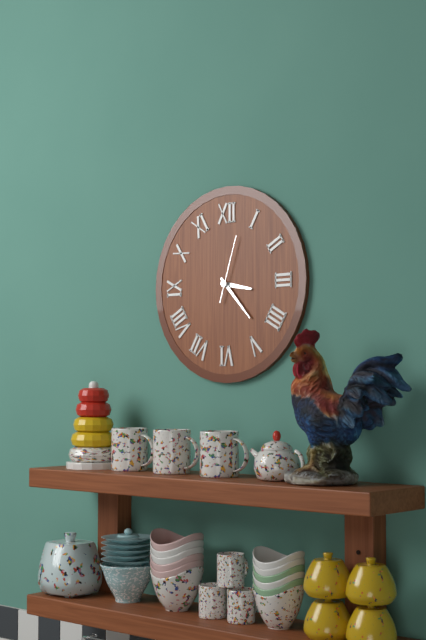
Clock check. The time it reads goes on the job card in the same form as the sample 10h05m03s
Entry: 3h23m03s
